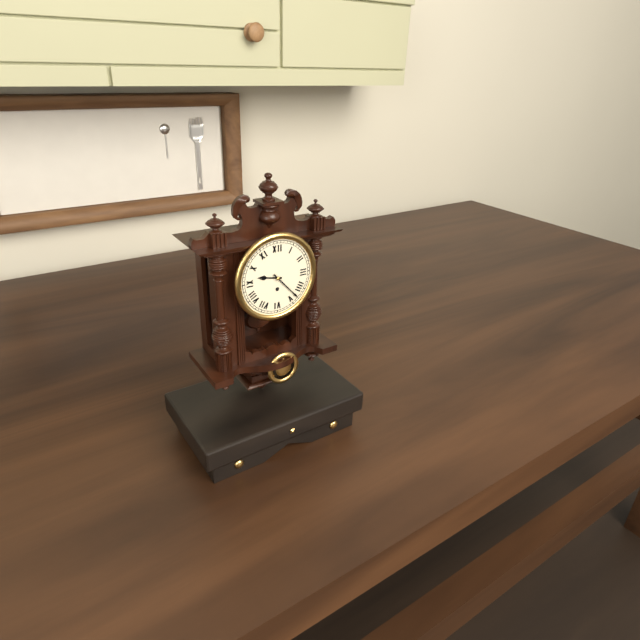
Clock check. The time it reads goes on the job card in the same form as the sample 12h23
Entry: 9h23
